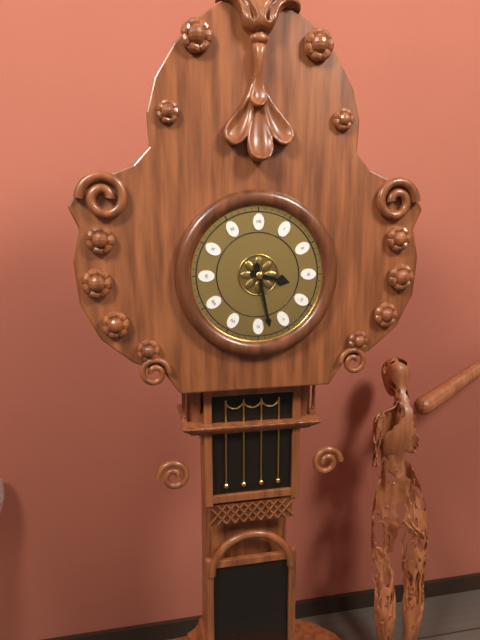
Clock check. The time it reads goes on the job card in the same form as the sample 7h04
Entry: 3h28
